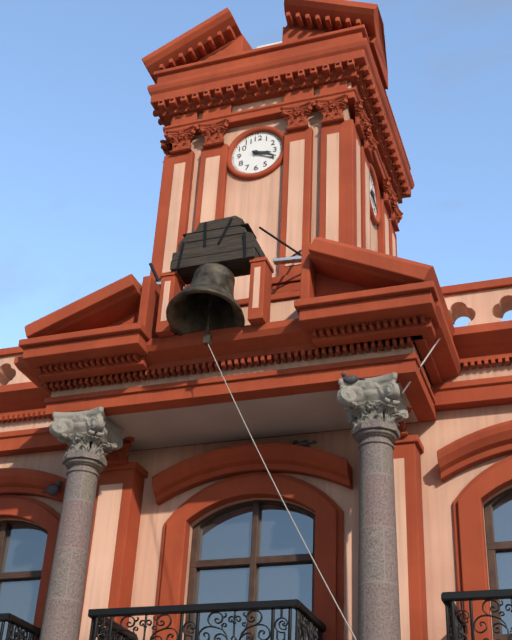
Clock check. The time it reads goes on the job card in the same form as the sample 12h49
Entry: 3h19
